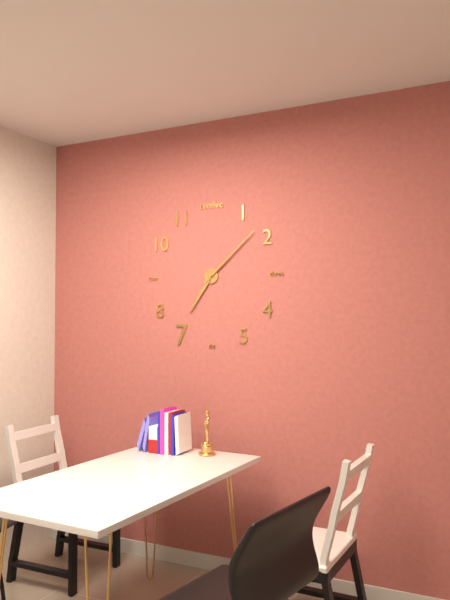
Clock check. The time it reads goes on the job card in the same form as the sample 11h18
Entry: 7h08
